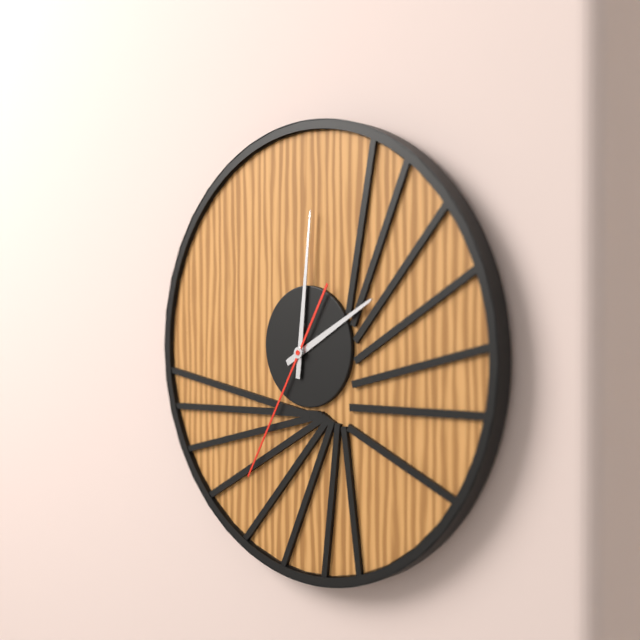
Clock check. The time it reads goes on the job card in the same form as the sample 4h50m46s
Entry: 2h01m35s
